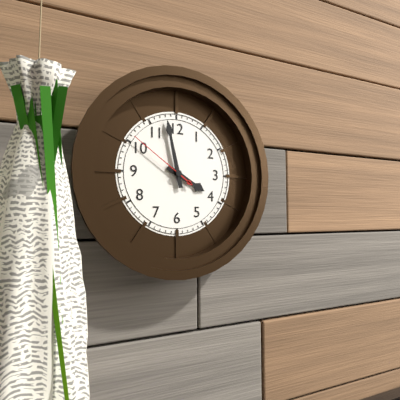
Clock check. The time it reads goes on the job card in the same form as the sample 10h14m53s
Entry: 3h58m51s
